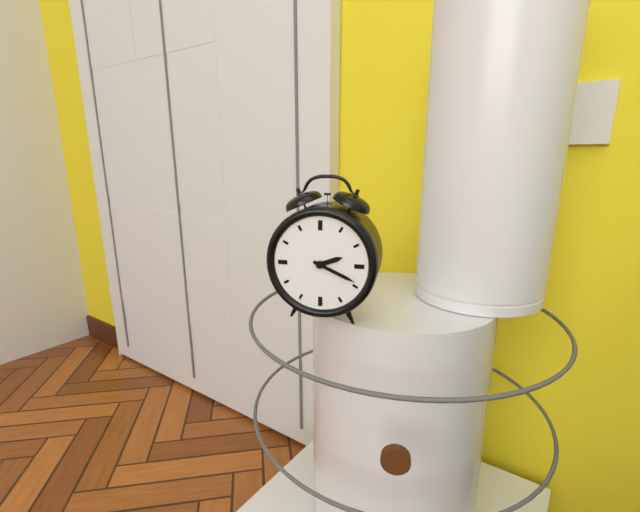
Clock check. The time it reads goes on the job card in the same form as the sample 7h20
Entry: 2h19
